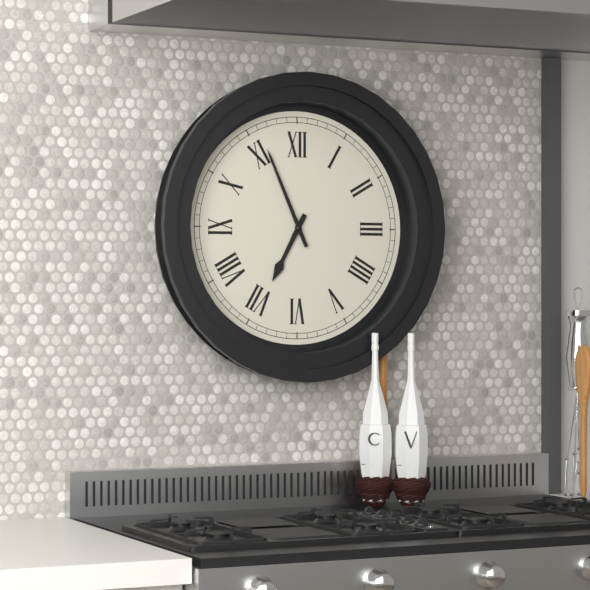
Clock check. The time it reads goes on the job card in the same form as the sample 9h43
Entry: 6h56
